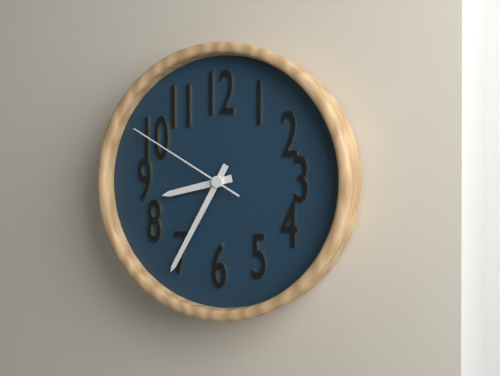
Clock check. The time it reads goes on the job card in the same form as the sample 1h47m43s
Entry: 8h35m50s
